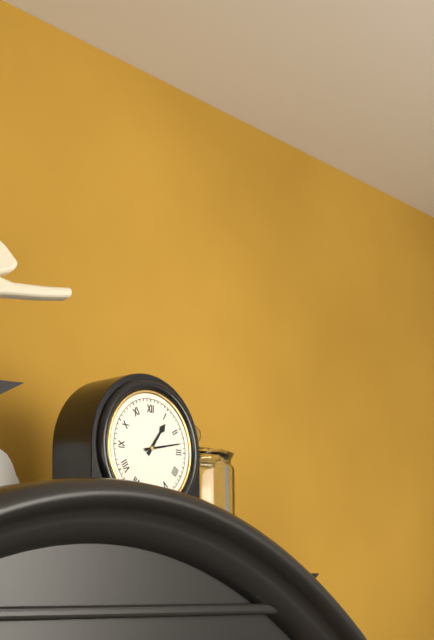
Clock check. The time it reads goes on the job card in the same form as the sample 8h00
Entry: 1h13
